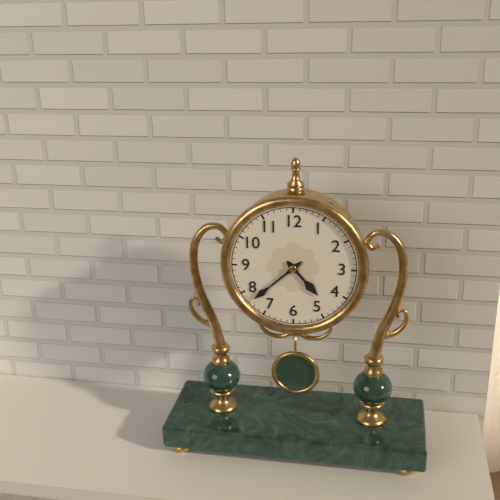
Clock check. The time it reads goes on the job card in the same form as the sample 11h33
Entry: 4h38
